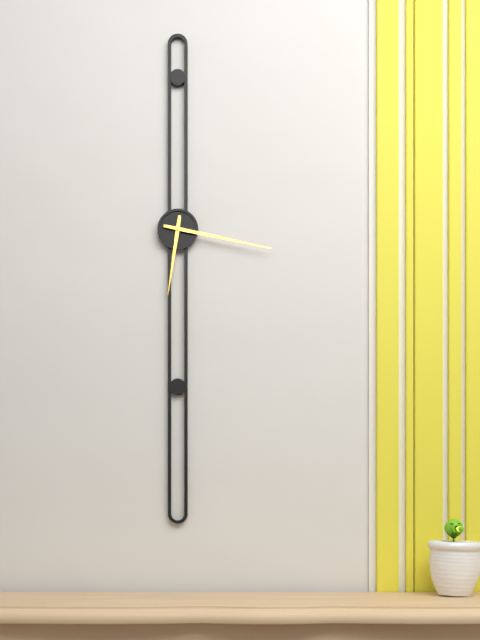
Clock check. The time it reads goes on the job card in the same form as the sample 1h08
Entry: 6h17
